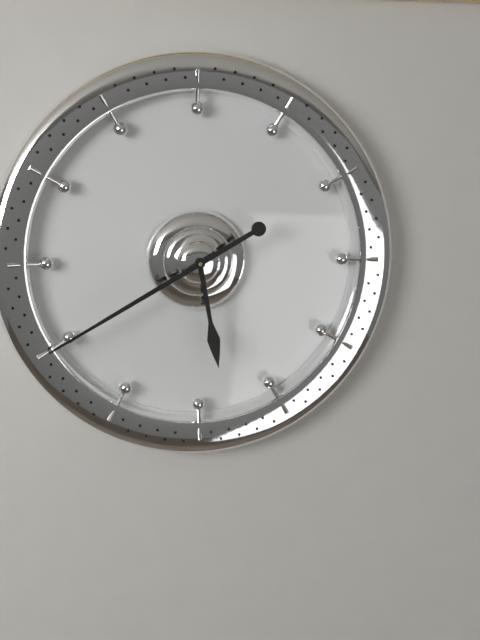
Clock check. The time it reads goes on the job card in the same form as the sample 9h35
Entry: 5h40
